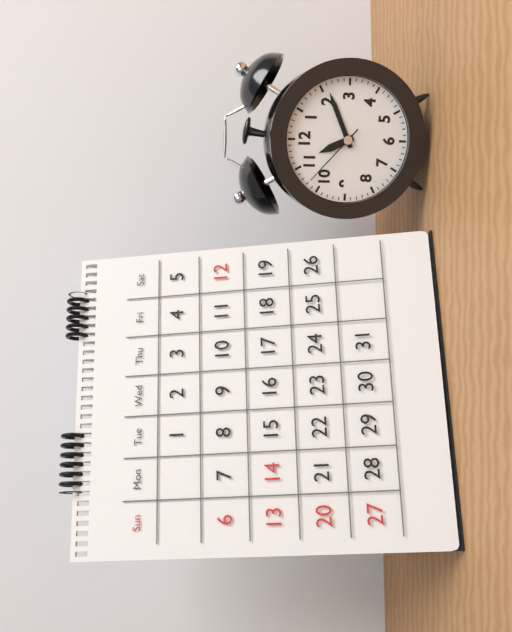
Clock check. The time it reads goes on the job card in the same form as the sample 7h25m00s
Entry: 11h11m52s
